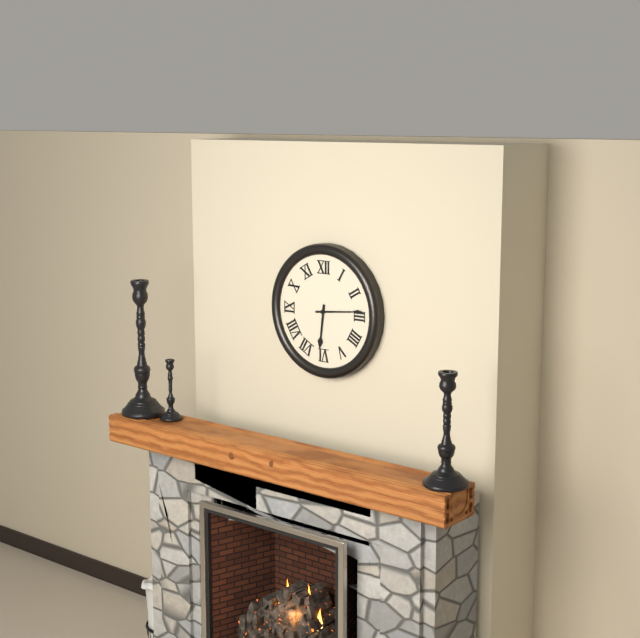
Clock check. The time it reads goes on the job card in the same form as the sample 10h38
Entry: 6h14
